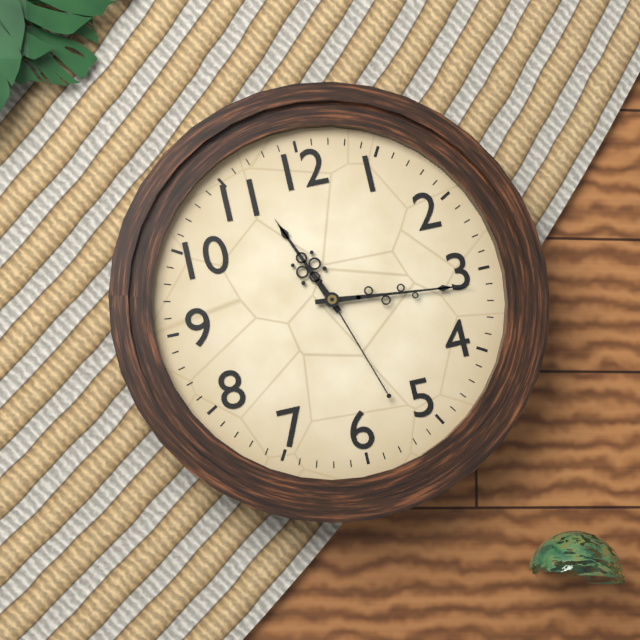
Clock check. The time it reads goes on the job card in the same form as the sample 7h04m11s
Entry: 11h16m27s
